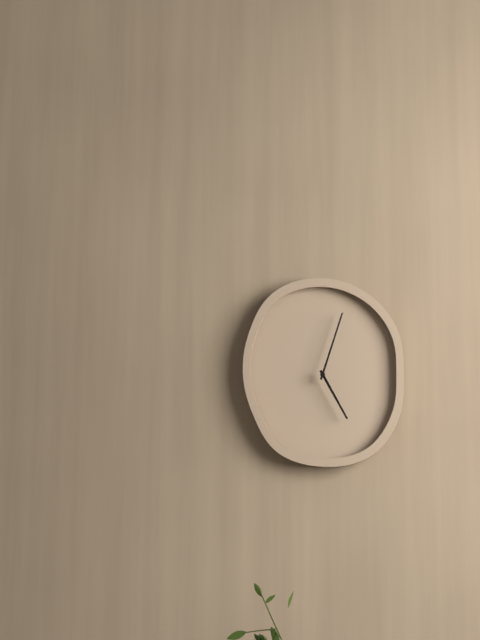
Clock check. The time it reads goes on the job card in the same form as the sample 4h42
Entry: 5h03
